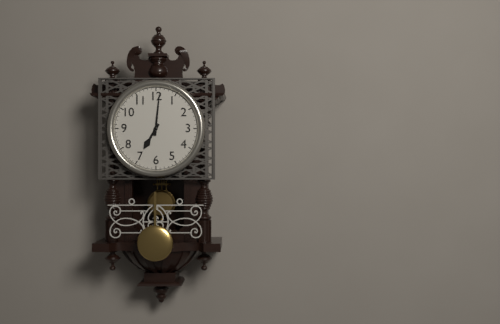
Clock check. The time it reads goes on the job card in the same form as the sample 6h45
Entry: 7h01
